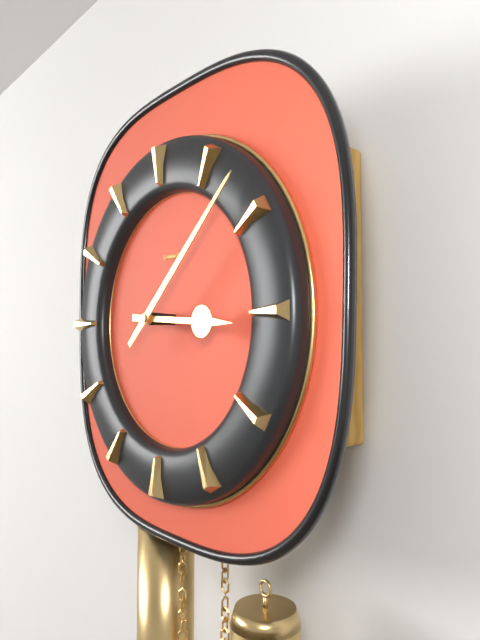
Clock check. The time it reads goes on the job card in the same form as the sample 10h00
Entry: 3h08
